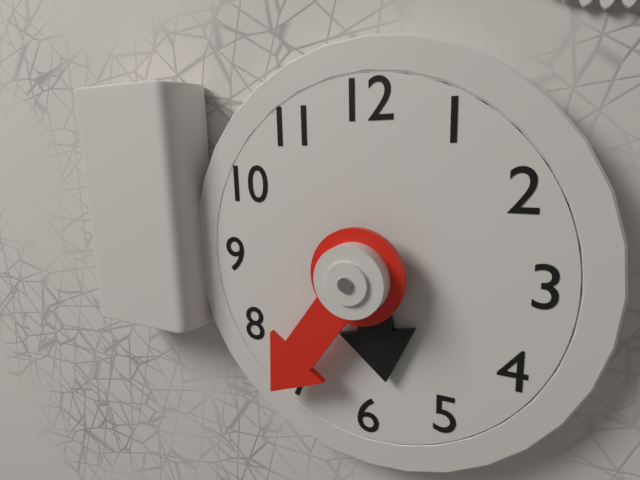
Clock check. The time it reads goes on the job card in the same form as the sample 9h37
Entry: 5h36
